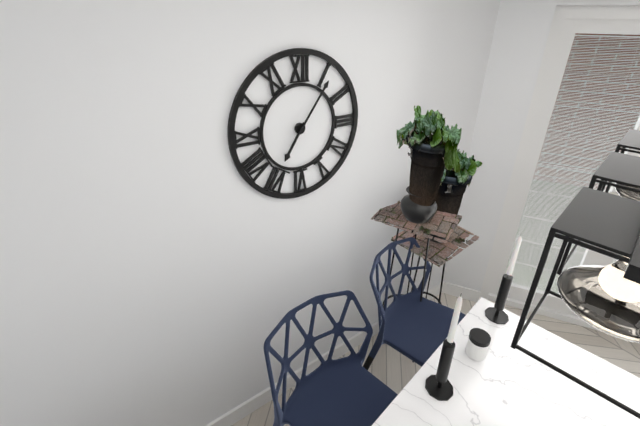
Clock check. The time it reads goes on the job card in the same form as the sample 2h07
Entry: 7h06
